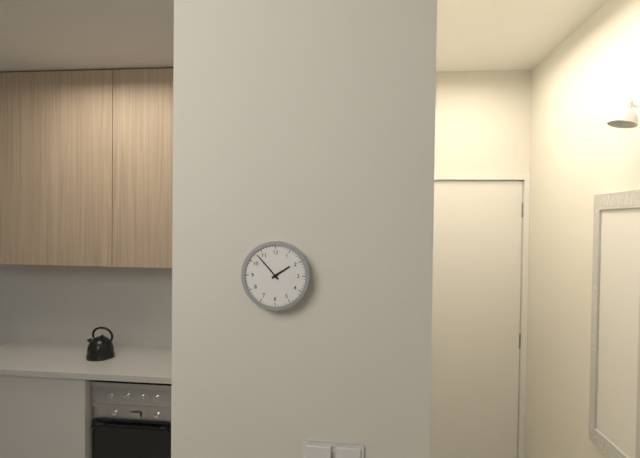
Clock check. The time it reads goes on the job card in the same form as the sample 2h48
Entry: 1h53
